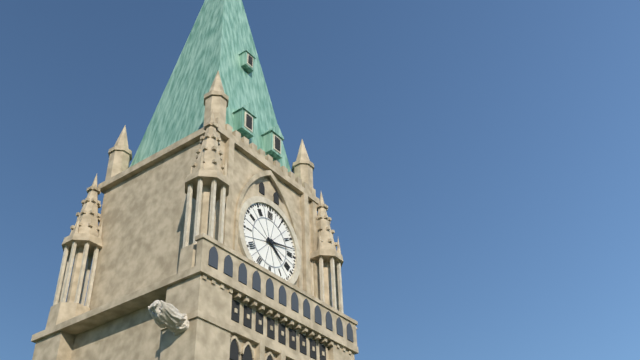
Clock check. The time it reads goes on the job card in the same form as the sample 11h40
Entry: 4h13
